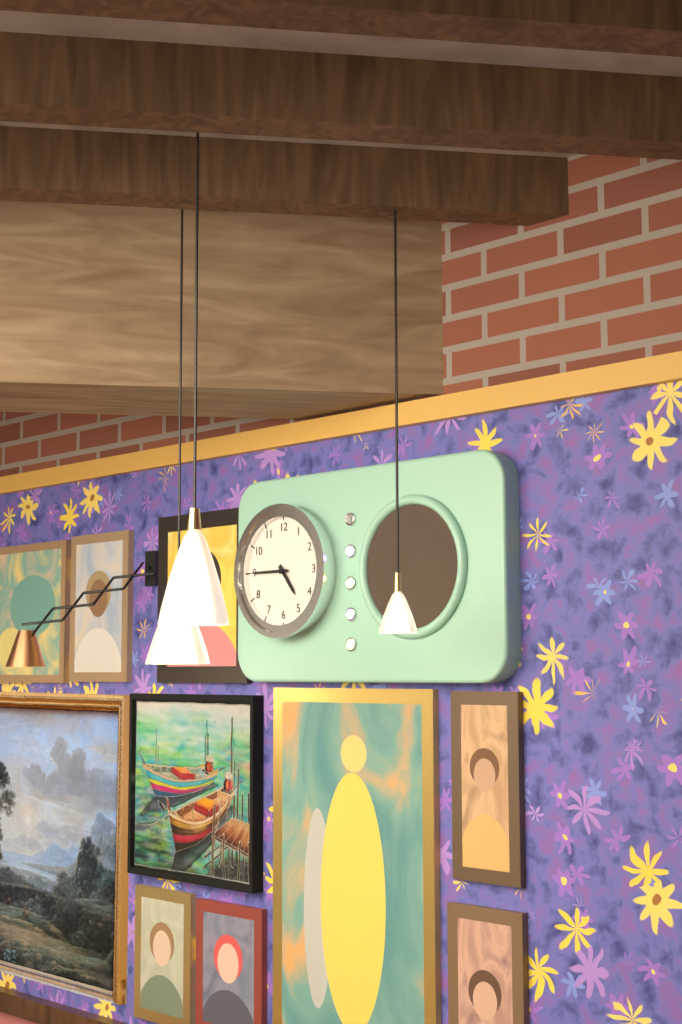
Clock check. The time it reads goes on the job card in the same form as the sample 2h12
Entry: 4h45
